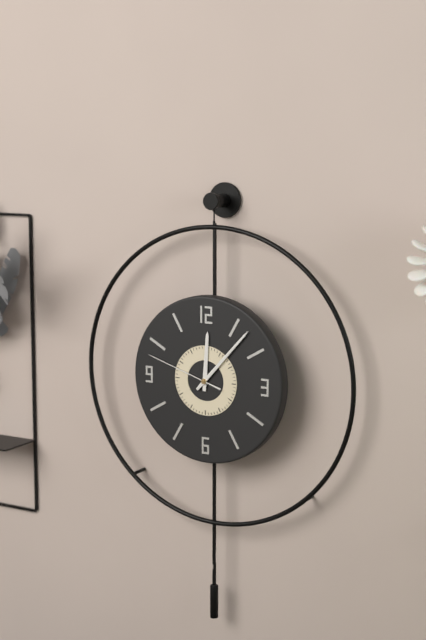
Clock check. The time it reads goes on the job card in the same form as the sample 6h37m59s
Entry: 12h07m48s
